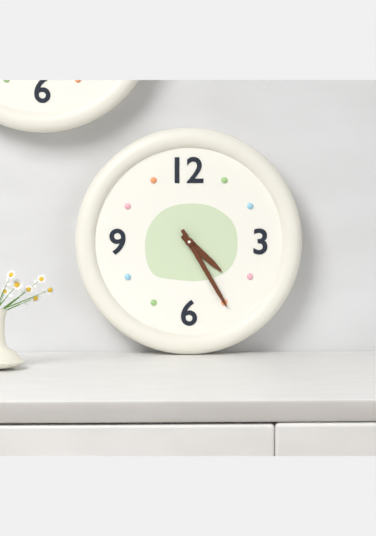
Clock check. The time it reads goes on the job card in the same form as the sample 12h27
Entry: 4h25
